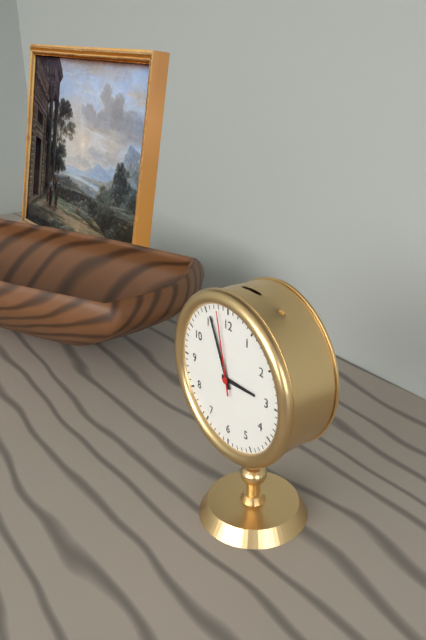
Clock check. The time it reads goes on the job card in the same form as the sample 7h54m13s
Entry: 2h56m58s
